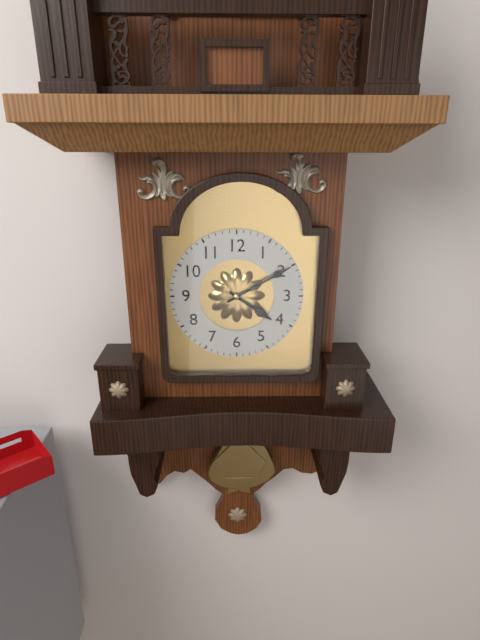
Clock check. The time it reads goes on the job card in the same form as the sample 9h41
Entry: 4h10
